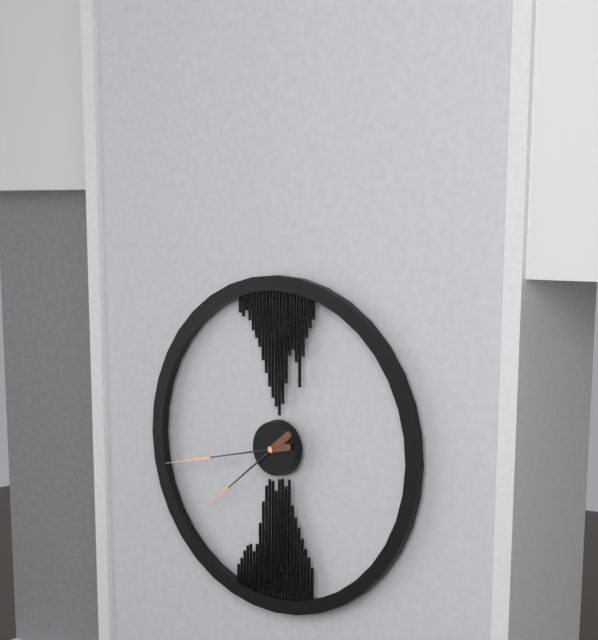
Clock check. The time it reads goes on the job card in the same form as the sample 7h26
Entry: 7h43
